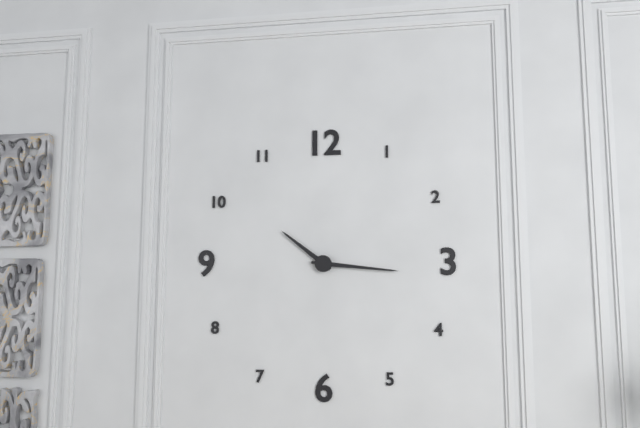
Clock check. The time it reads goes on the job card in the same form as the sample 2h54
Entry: 10h16
